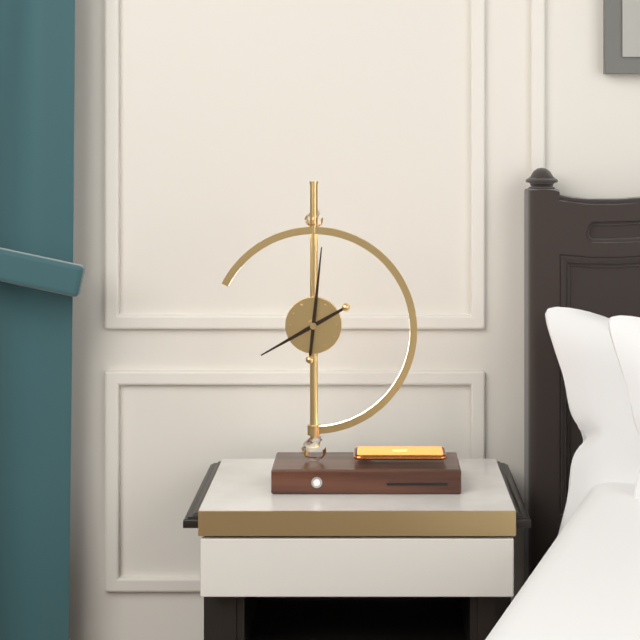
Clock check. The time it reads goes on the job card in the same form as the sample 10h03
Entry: 8h01
